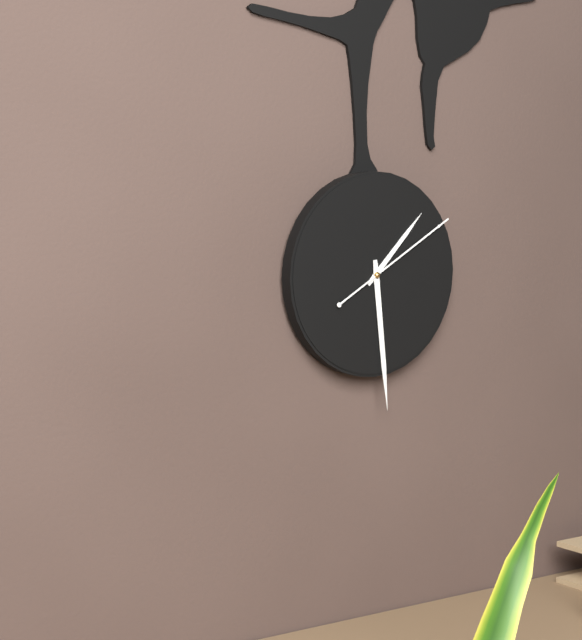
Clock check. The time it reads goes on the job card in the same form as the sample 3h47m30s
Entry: 1h29m10s
